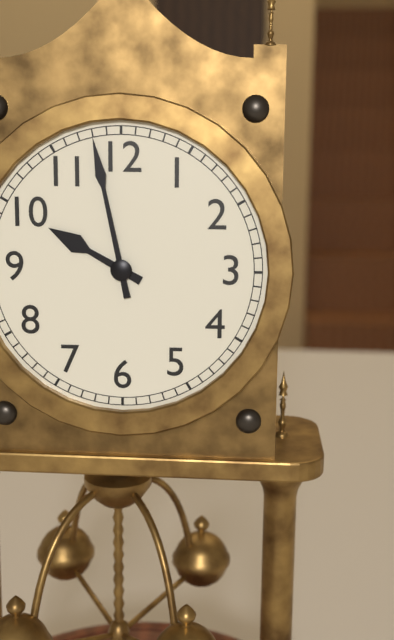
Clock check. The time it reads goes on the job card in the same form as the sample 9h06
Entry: 9h58
